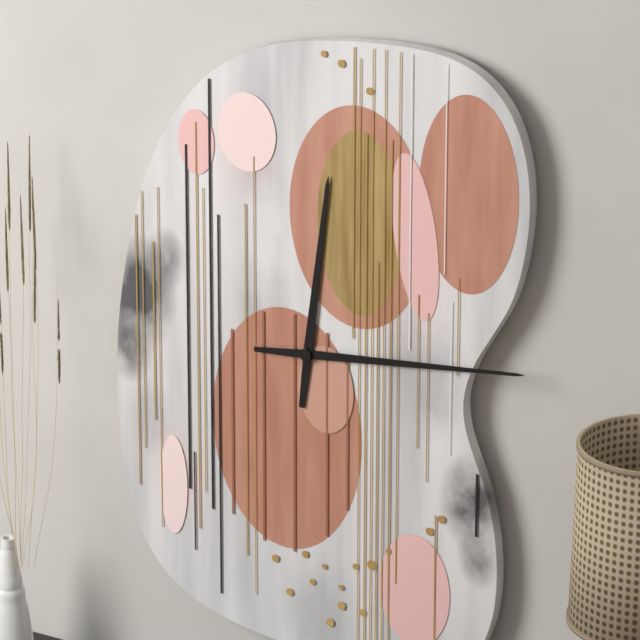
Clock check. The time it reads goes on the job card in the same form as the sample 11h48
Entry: 12h14
